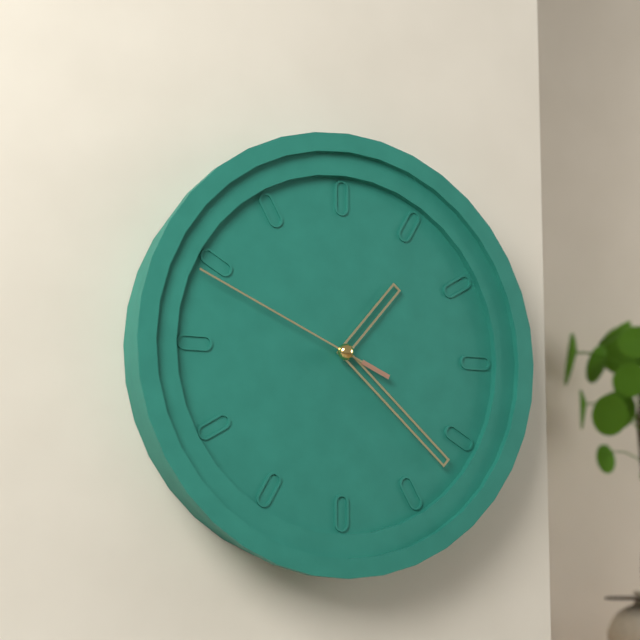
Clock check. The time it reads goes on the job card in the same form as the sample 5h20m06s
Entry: 1h22m49s
